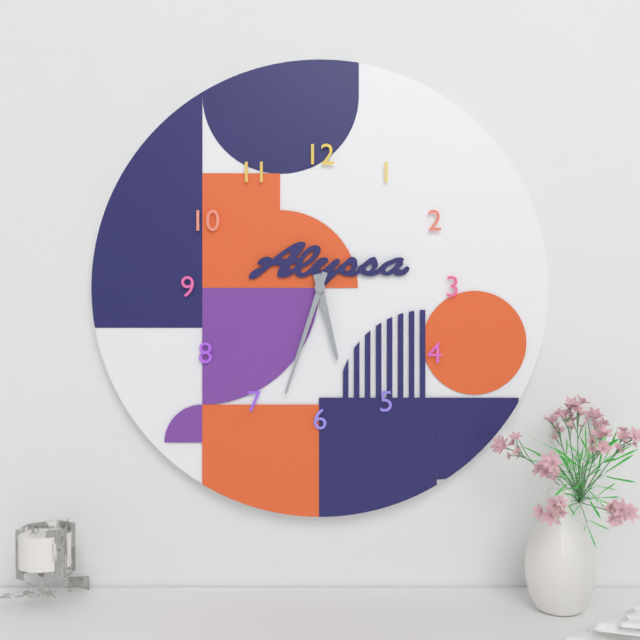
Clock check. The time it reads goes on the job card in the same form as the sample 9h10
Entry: 5h33
